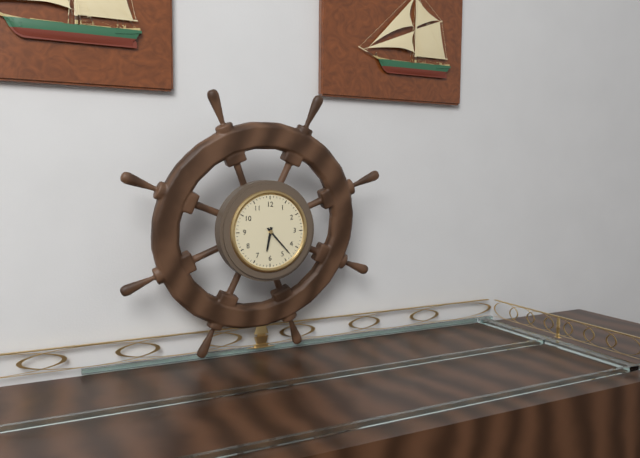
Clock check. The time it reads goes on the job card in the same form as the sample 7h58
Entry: 6h23
